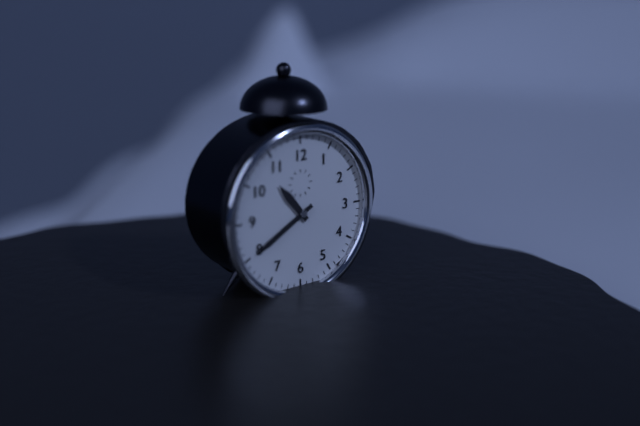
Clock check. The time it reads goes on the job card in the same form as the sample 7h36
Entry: 10h40
